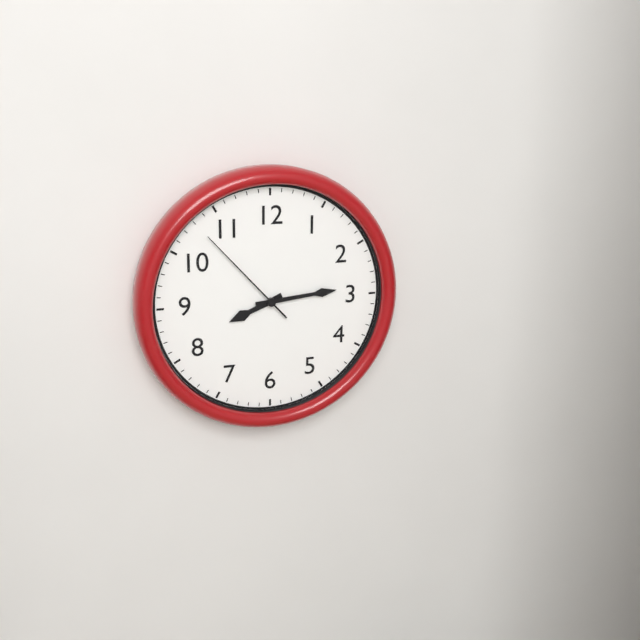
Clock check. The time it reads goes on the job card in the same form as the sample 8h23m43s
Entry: 8h14m53s
